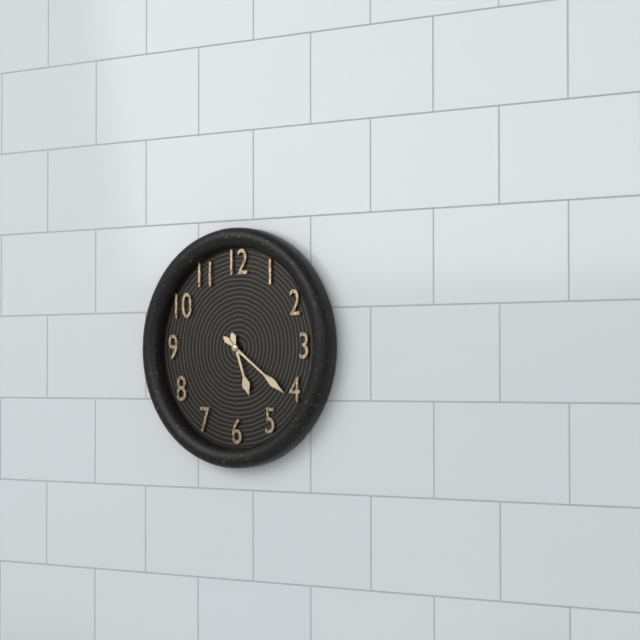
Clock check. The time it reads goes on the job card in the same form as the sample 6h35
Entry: 5h21
